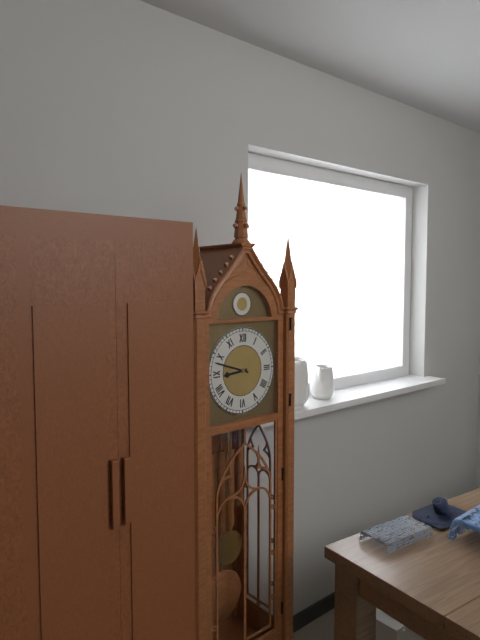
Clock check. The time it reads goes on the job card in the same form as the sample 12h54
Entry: 8h48
